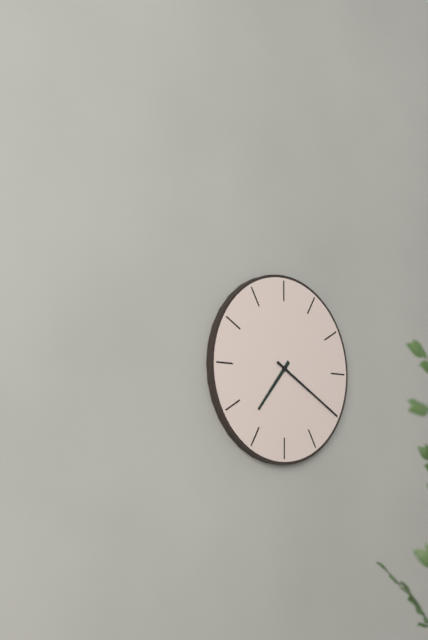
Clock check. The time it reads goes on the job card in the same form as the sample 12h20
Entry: 7h20
